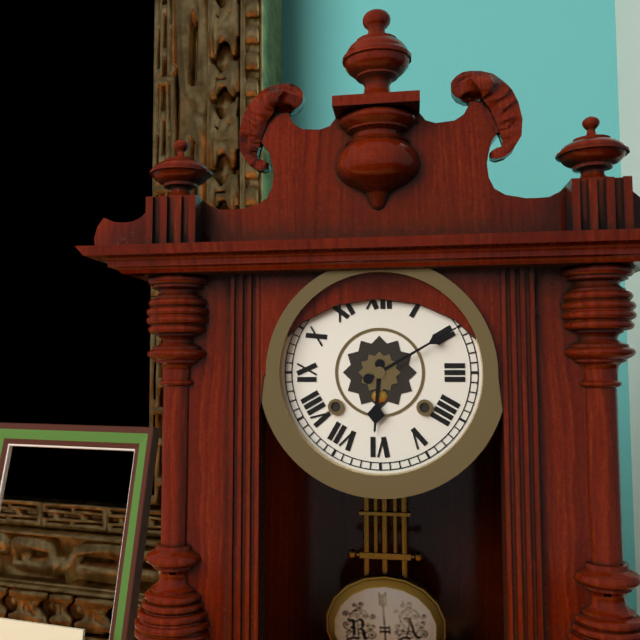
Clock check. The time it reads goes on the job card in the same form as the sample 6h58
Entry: 6h10
